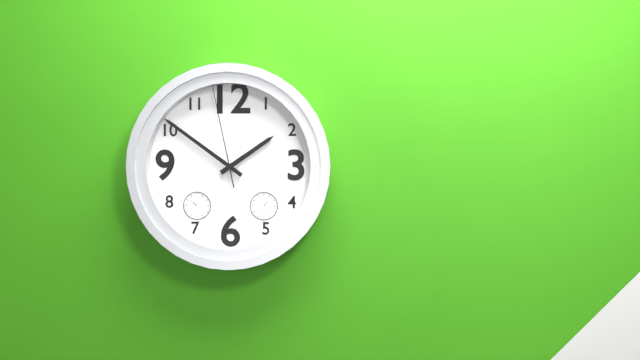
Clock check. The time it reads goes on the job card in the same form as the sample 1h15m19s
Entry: 1h51m58s
